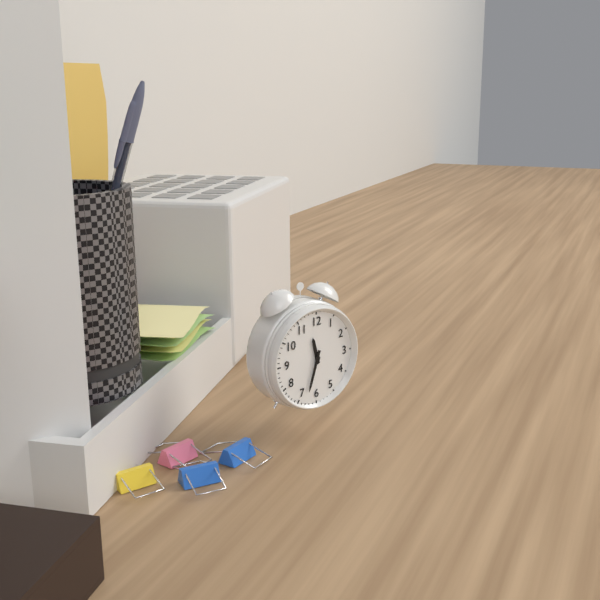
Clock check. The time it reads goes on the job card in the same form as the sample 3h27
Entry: 11h33
